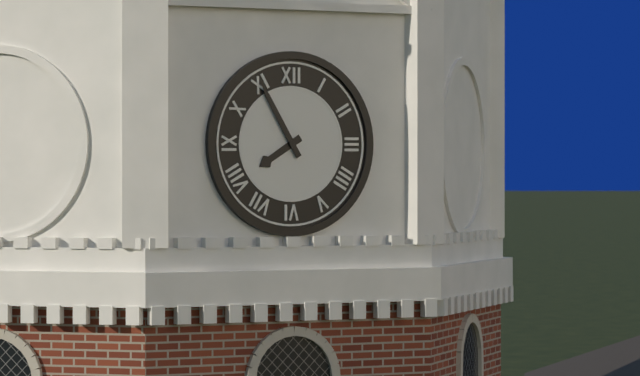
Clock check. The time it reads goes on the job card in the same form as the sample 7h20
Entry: 7h55
